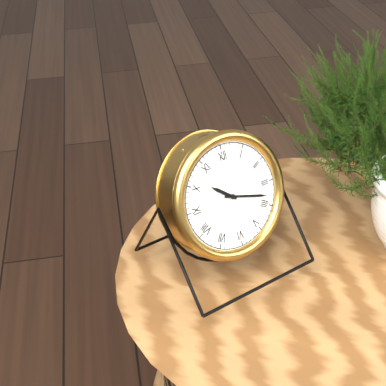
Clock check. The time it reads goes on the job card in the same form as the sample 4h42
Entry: 10h18
